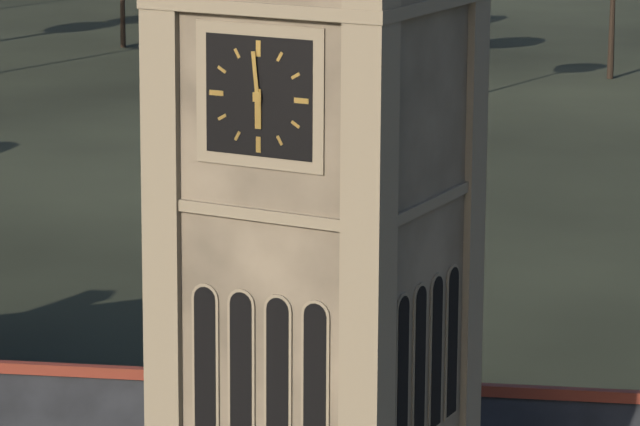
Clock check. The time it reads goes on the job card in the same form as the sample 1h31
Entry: 5h59
